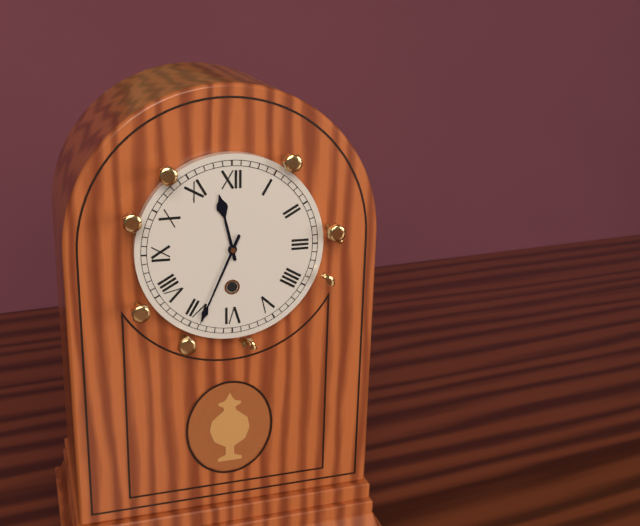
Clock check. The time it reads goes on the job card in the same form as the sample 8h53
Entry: 11h34
